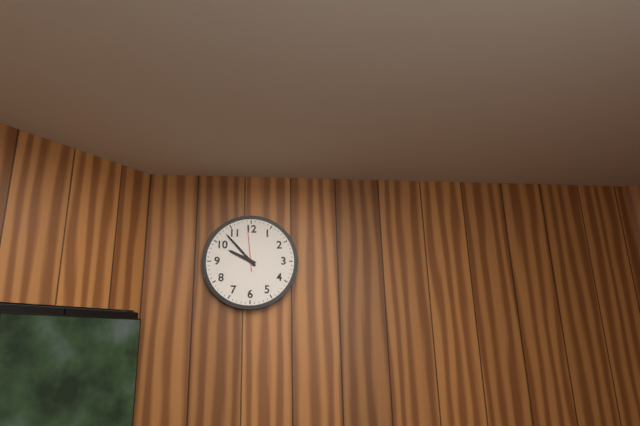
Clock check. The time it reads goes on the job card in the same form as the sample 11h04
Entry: 9h53
